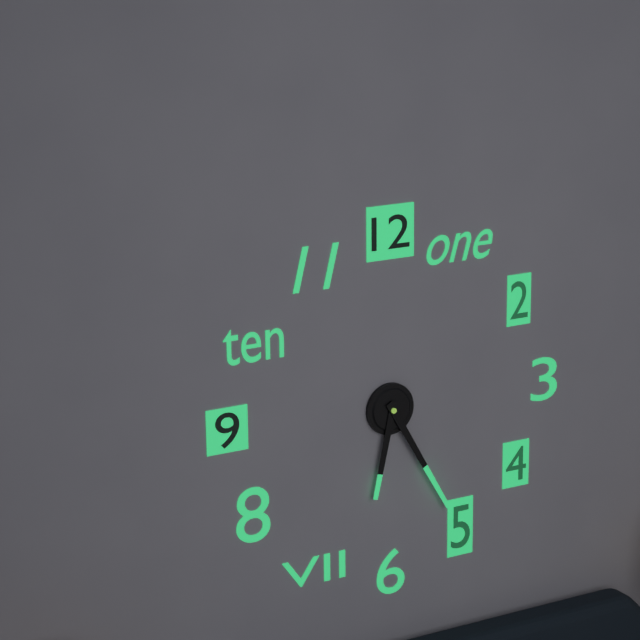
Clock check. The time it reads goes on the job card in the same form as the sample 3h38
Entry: 6h25
